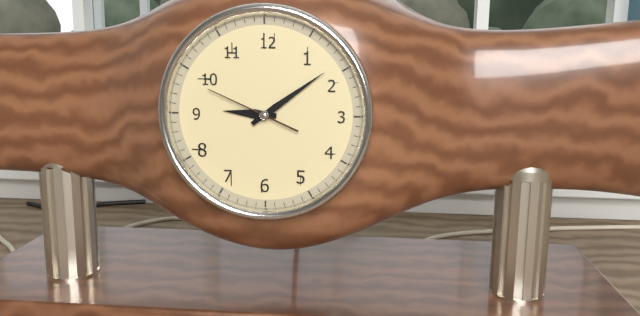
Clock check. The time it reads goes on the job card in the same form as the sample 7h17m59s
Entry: 9h09m49s
